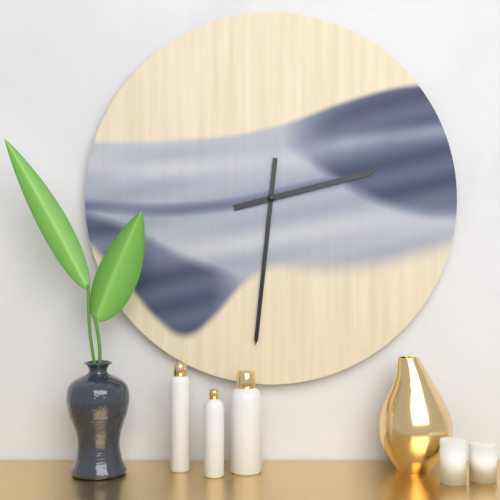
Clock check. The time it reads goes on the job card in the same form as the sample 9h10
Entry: 2h31
